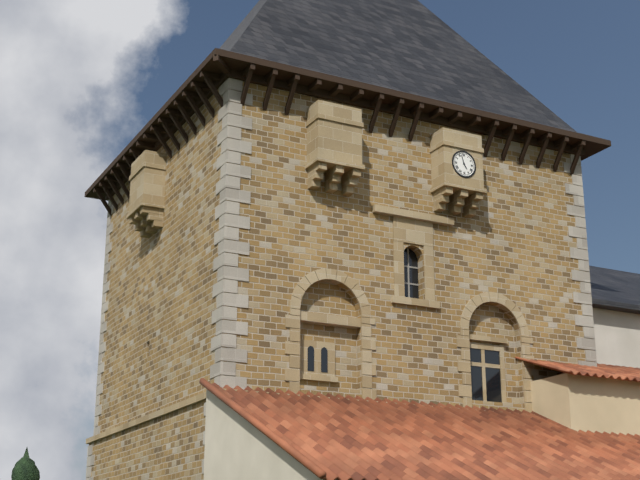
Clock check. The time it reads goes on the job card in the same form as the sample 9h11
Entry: 4h57
